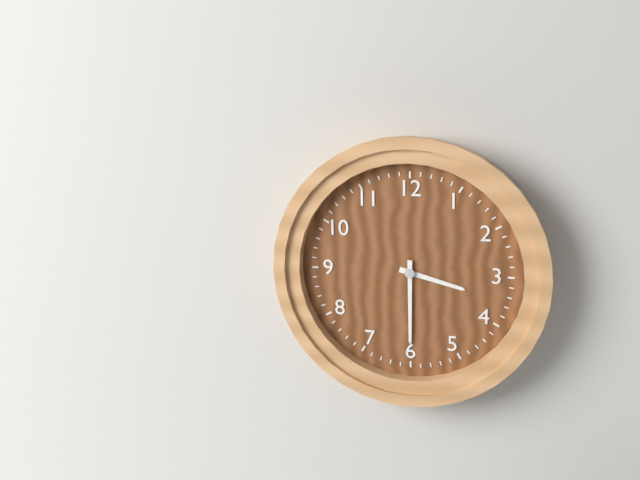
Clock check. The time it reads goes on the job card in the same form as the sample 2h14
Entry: 3h30
